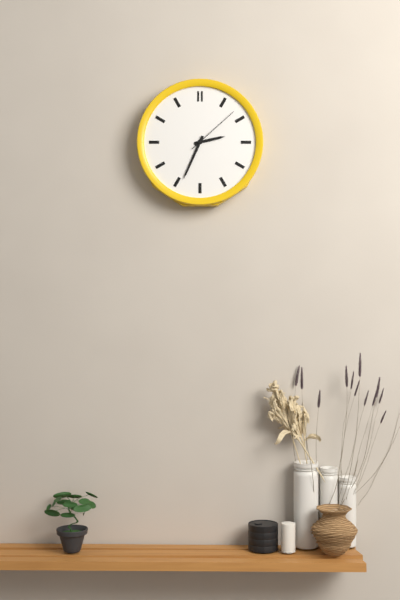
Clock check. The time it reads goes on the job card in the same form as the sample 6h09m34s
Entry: 2h34m08s
